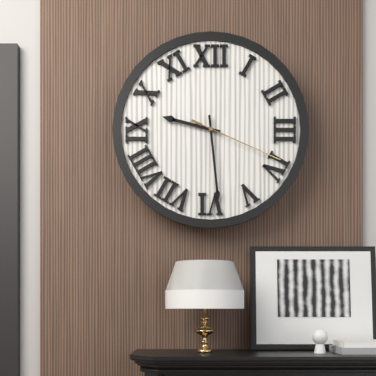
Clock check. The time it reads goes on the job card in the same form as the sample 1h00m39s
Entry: 9h29m19s
